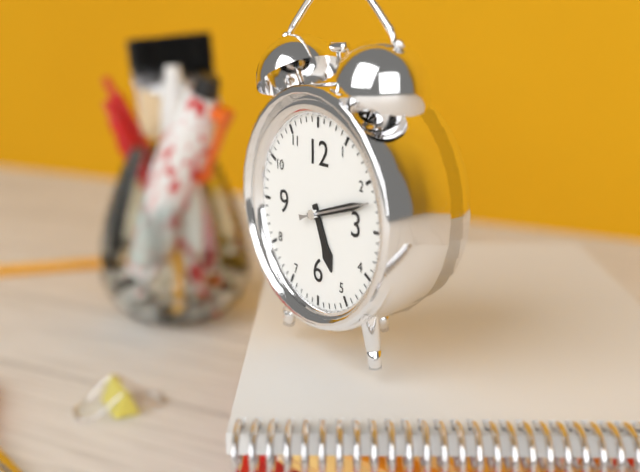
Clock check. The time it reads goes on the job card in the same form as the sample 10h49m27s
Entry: 5h12m12s
